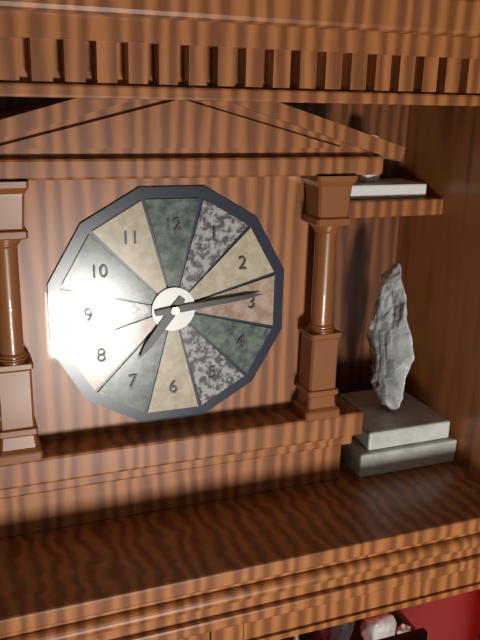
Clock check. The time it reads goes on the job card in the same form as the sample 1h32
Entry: 7h14
